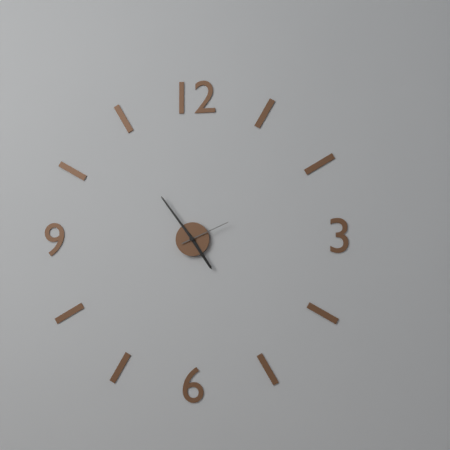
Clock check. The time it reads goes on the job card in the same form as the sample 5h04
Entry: 4h54
